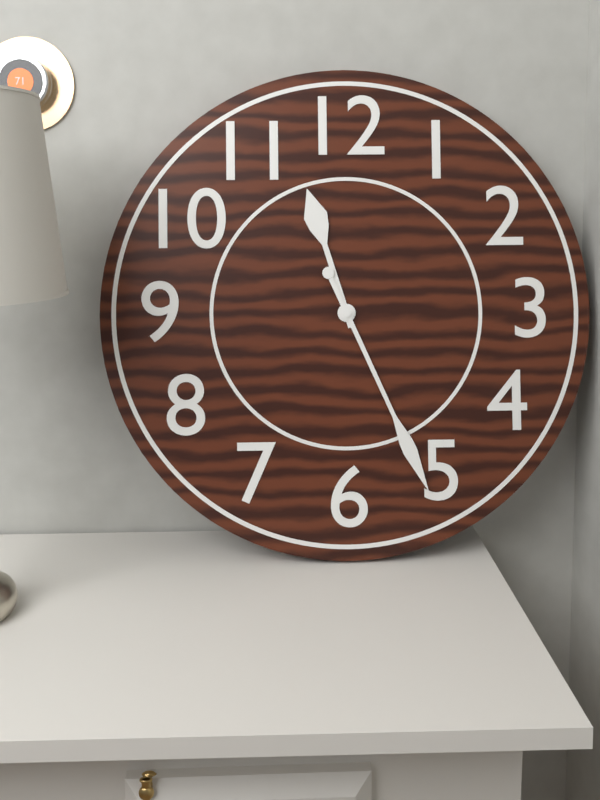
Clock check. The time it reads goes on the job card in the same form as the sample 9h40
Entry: 11h26
